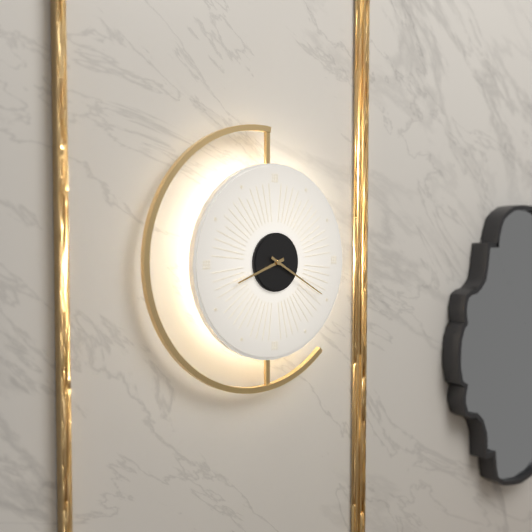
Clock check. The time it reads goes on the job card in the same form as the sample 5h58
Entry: 8h20
